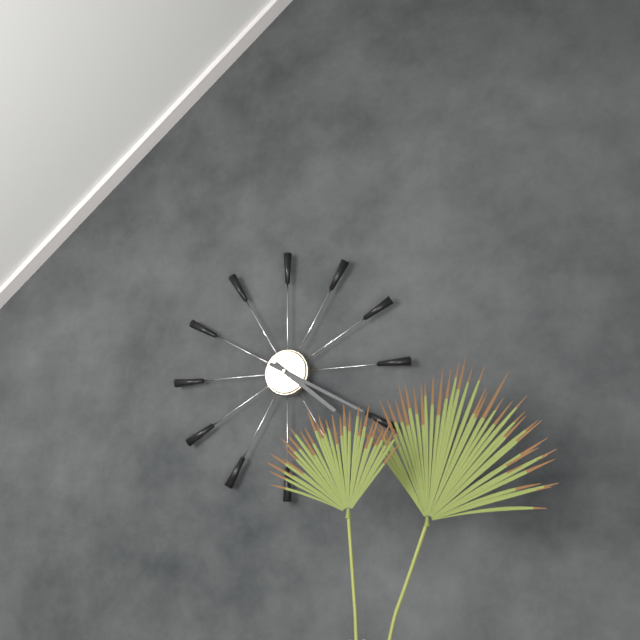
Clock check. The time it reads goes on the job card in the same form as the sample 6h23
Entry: 4h20
